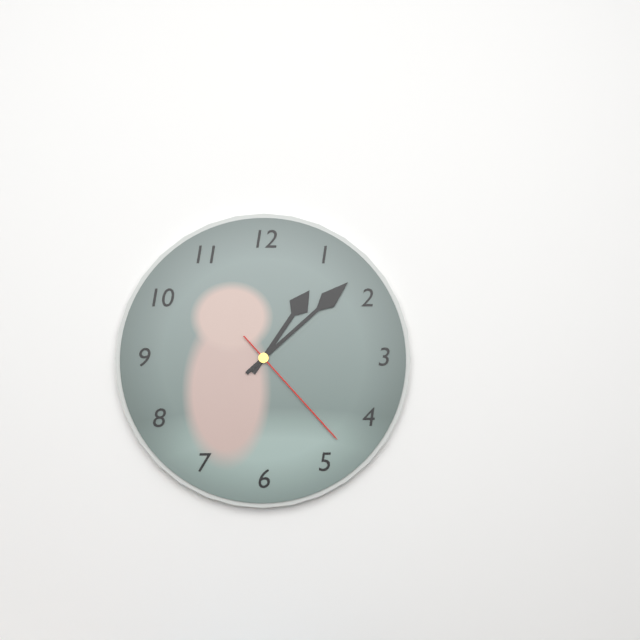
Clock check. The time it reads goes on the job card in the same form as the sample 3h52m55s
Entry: 1h08m23s
